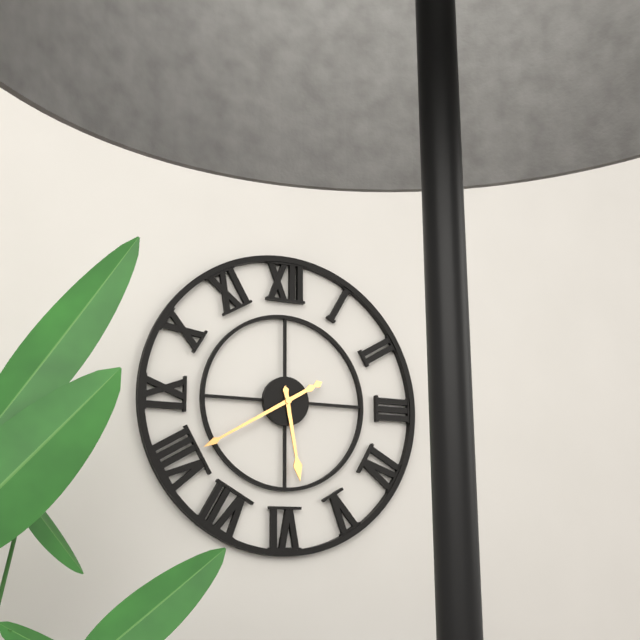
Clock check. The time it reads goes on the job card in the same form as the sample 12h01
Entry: 5h40
